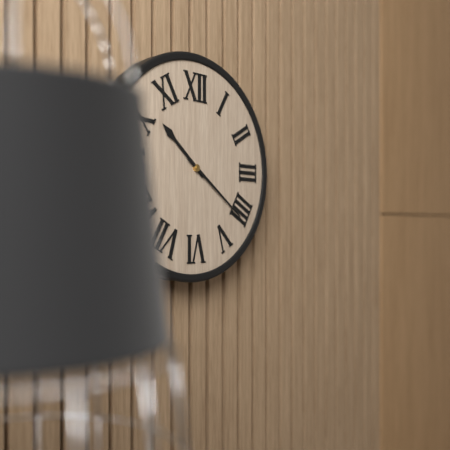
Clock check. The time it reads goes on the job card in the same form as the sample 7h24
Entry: 10h21
